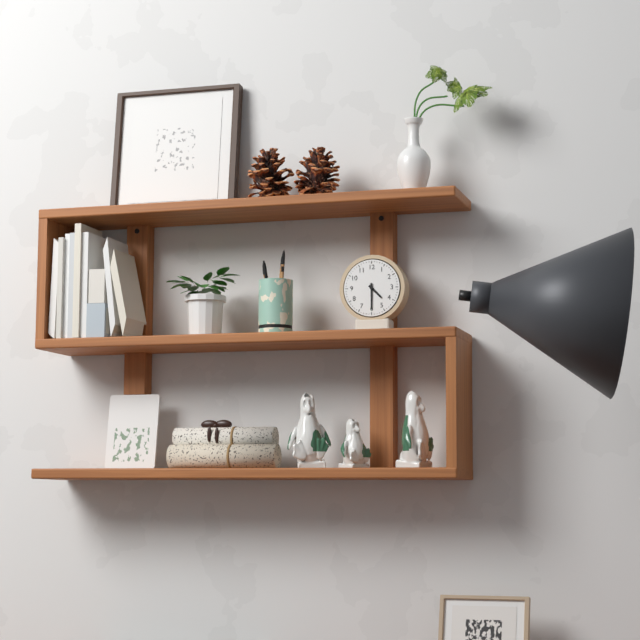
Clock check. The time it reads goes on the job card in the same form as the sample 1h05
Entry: 4h30
